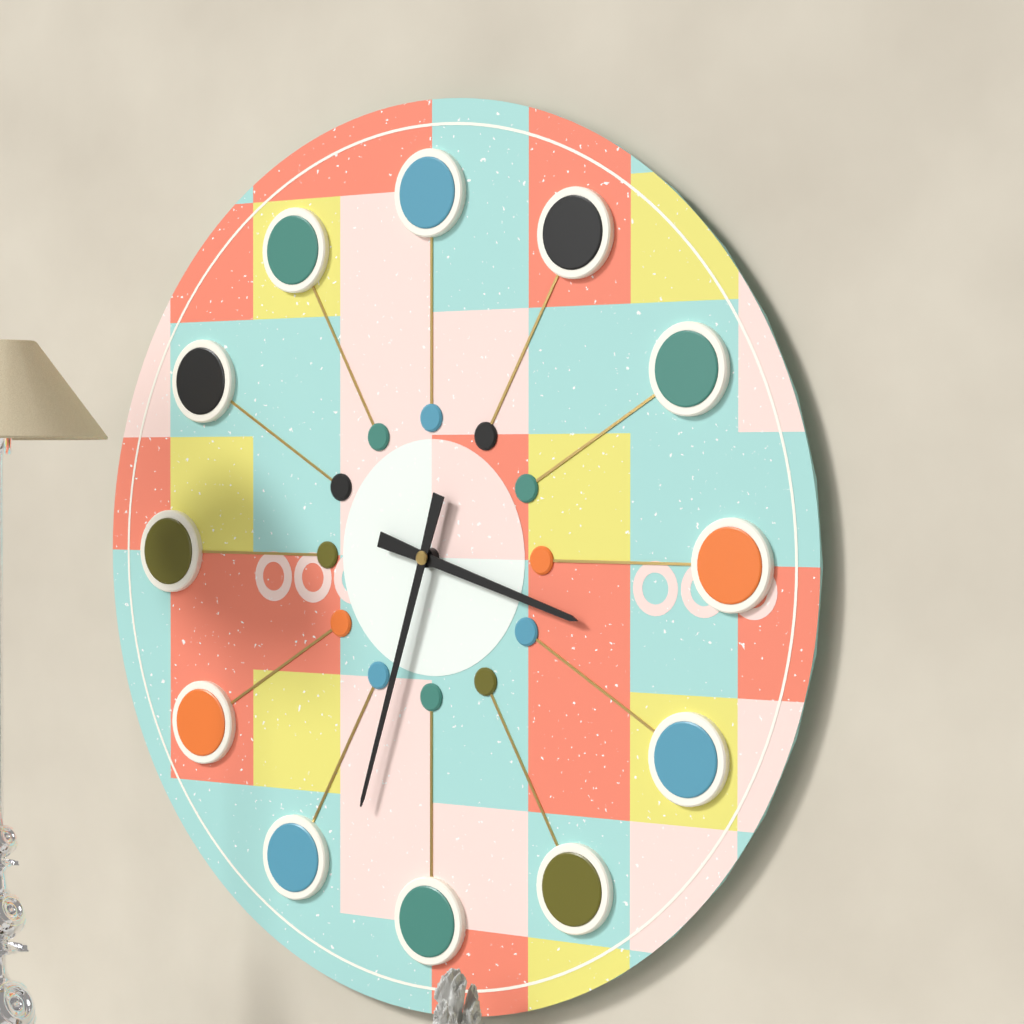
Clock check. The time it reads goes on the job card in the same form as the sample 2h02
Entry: 3h33
